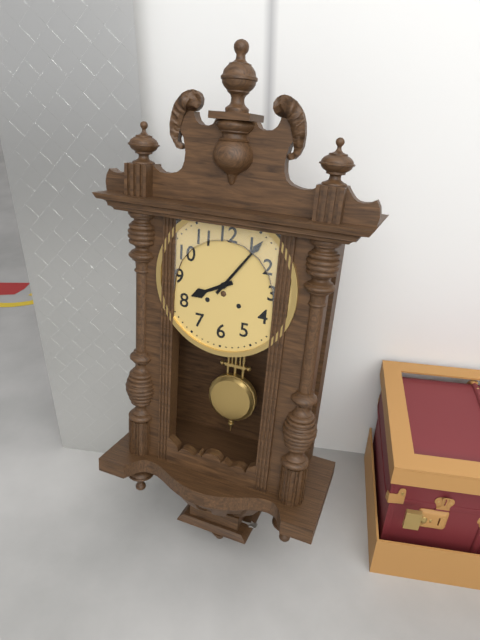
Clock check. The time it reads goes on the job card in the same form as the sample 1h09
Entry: 8h06
